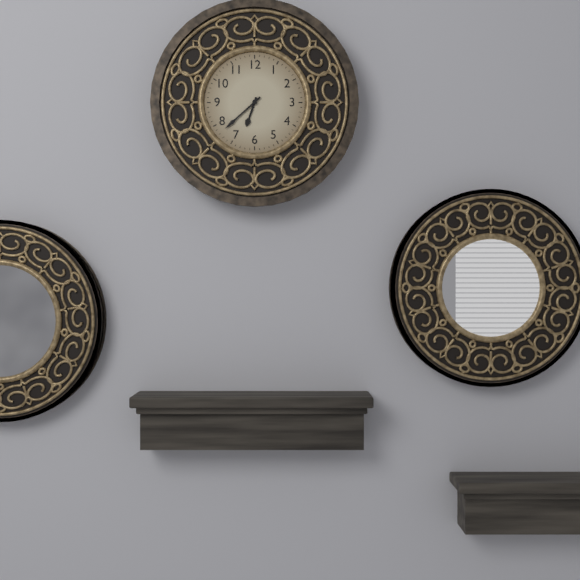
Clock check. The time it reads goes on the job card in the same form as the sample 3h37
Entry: 6h38
